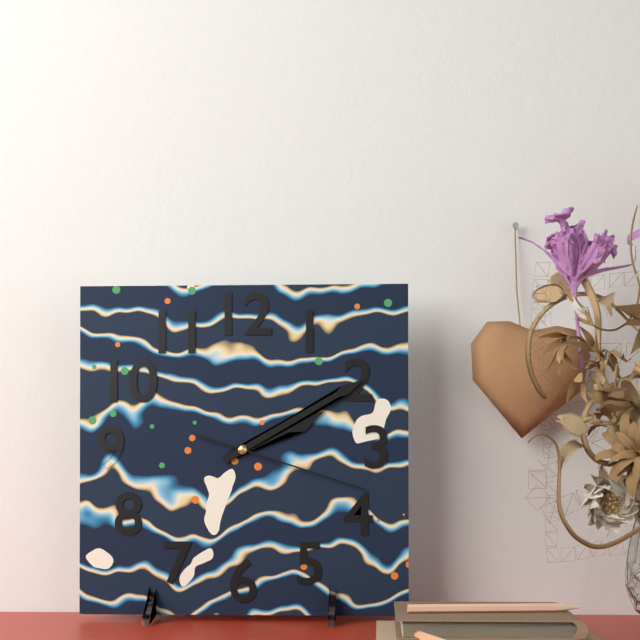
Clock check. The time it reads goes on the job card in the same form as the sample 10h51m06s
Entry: 2h10m18s
